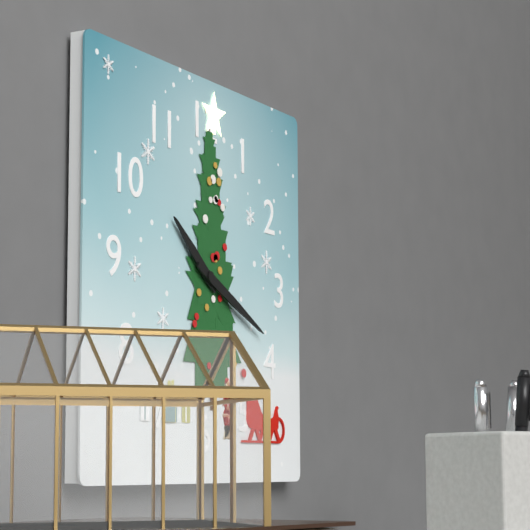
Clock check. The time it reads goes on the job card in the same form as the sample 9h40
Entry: 10h19
